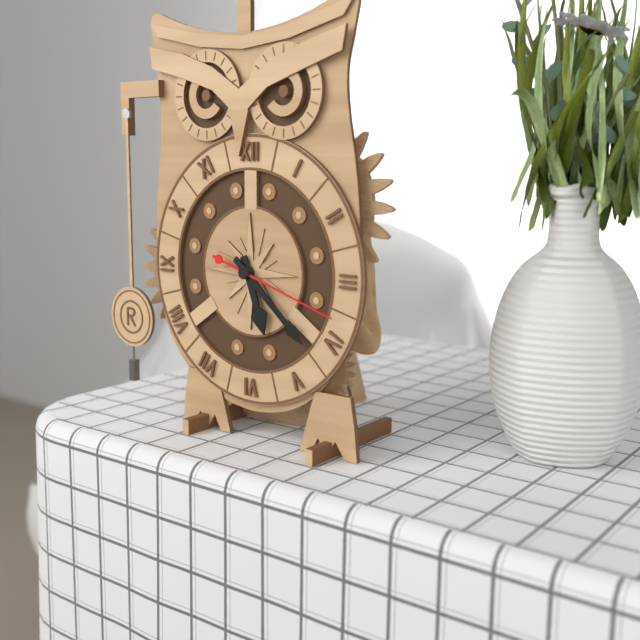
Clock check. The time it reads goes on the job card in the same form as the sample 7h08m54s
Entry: 5h22m18s
